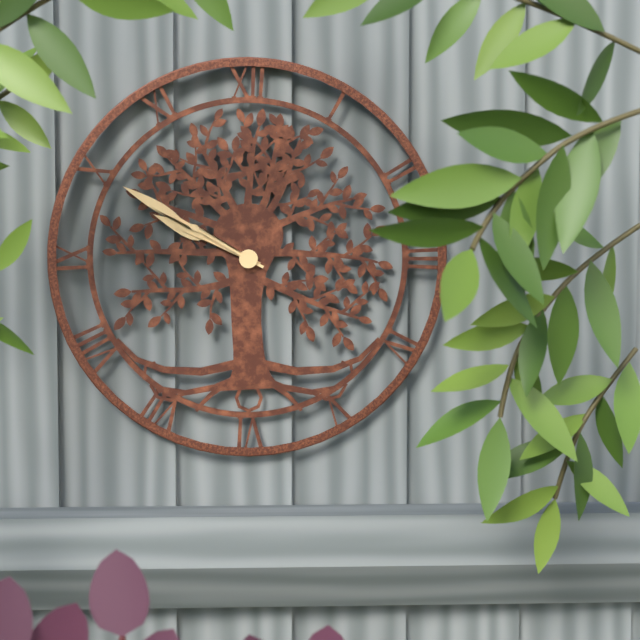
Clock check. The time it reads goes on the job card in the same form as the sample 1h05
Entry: 9h50
